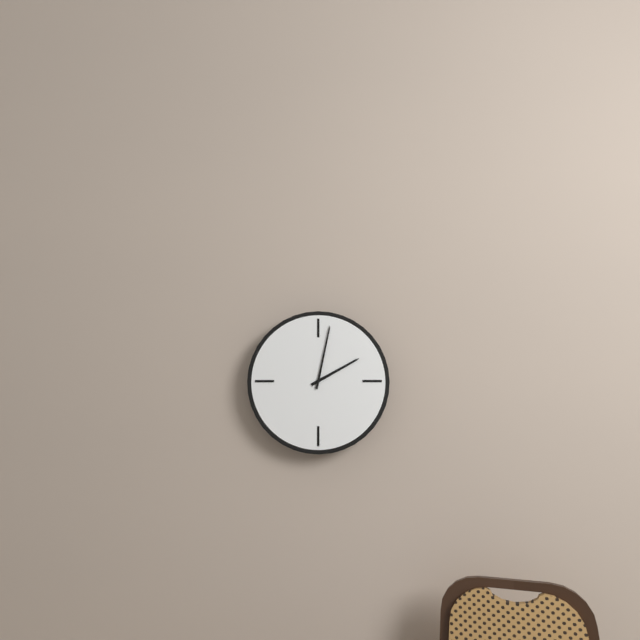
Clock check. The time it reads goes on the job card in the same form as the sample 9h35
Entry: 2h02
